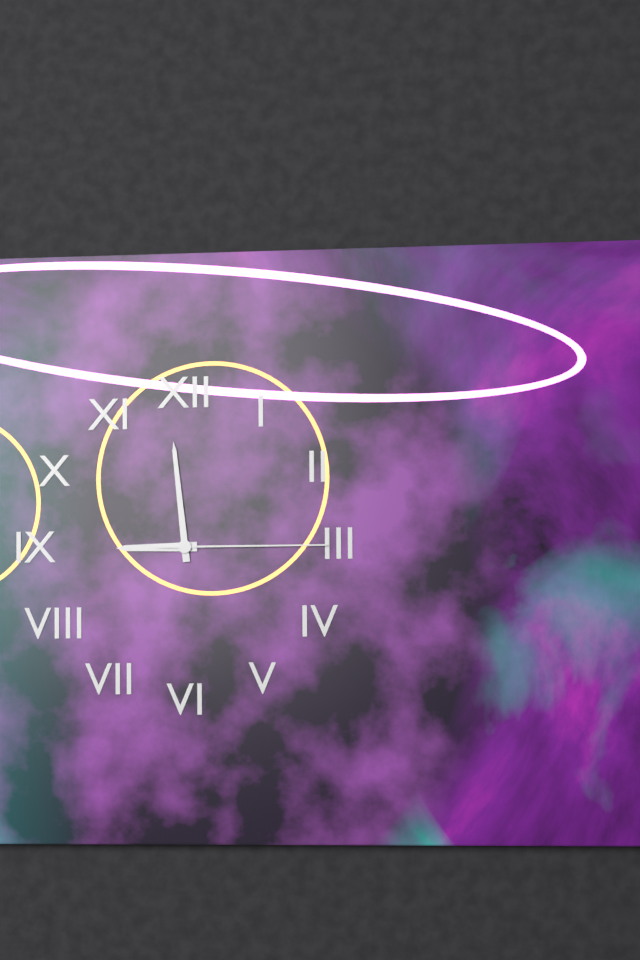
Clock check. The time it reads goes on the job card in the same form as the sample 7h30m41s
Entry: 8h59m15s
